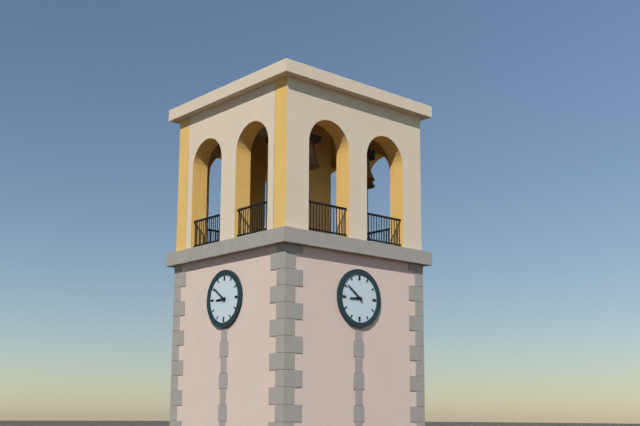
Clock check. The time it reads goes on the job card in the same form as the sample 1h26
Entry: 8h51
